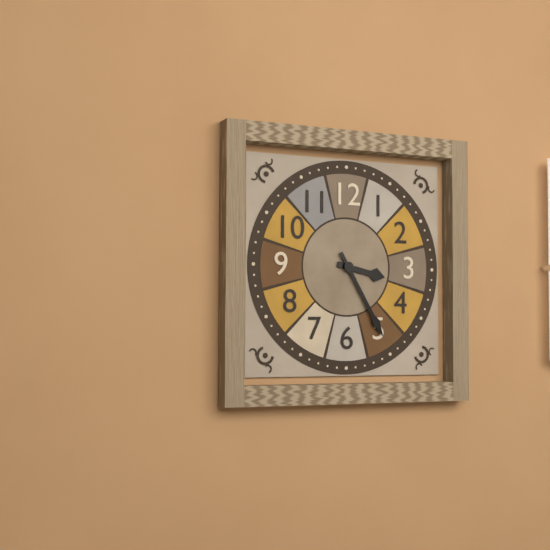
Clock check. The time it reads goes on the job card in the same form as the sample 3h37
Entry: 3h25
